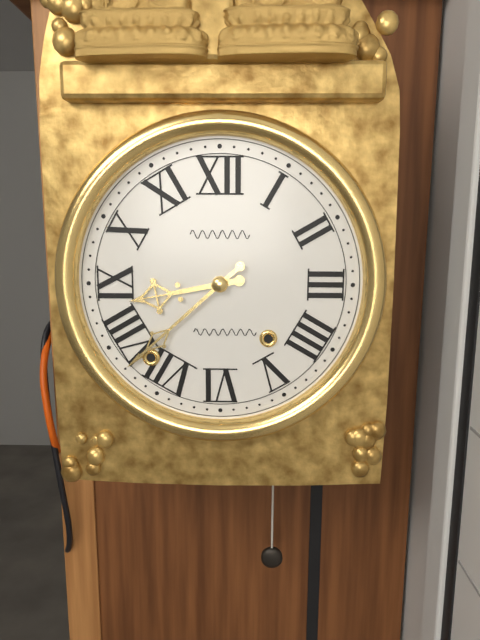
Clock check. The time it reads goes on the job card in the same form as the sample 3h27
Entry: 8h38
